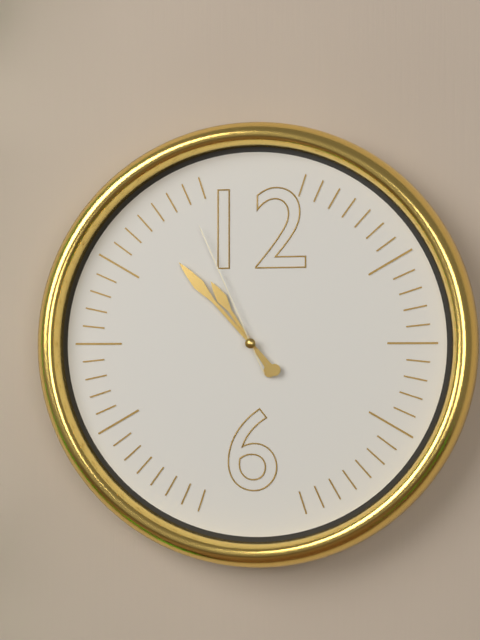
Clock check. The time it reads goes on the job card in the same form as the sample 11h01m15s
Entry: 10h53m56s
